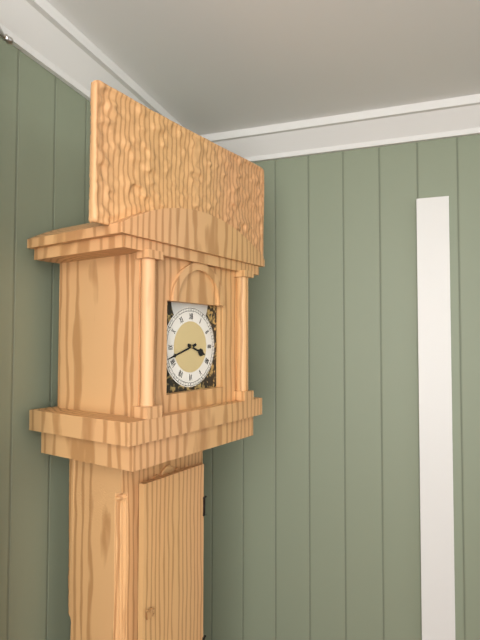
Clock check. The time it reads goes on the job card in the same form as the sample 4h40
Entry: 3h42
